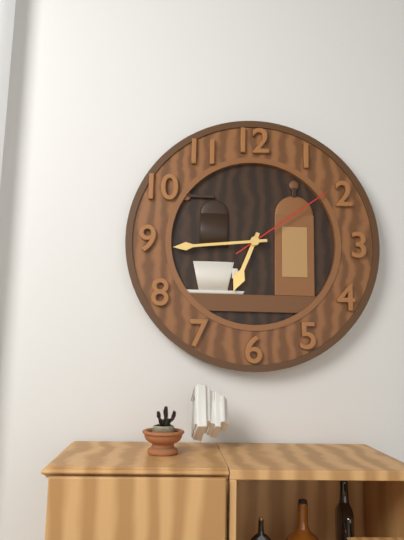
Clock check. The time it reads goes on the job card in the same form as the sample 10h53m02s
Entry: 6h44m09s
